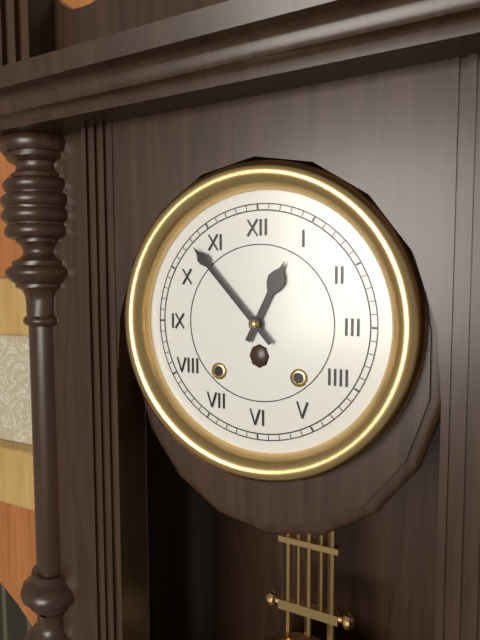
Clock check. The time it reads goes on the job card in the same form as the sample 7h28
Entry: 12h53
